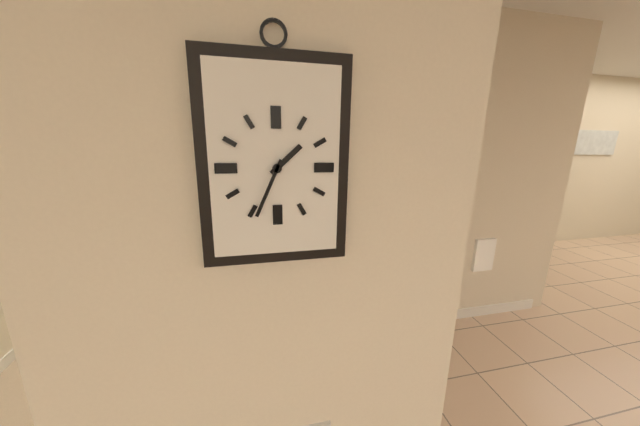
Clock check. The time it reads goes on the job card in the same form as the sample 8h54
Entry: 1h34
